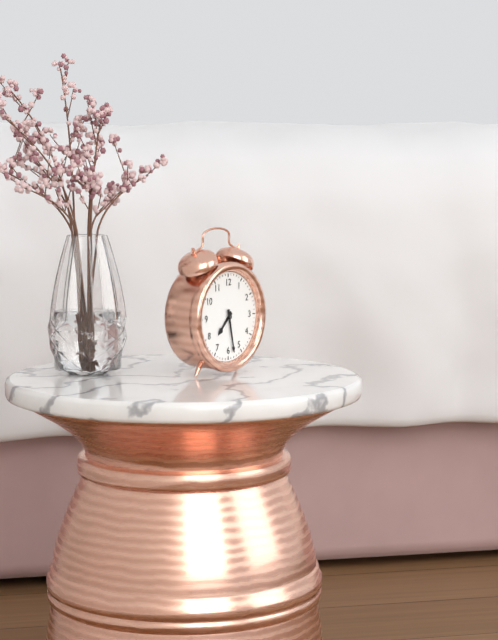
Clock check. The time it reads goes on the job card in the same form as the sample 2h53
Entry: 7h28
